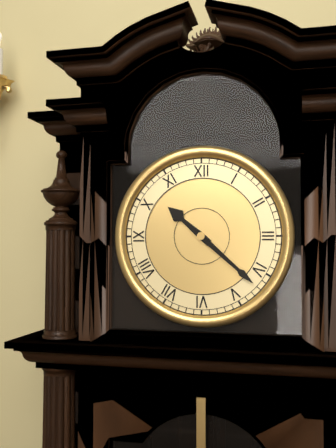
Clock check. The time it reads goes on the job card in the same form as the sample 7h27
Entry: 10h22
